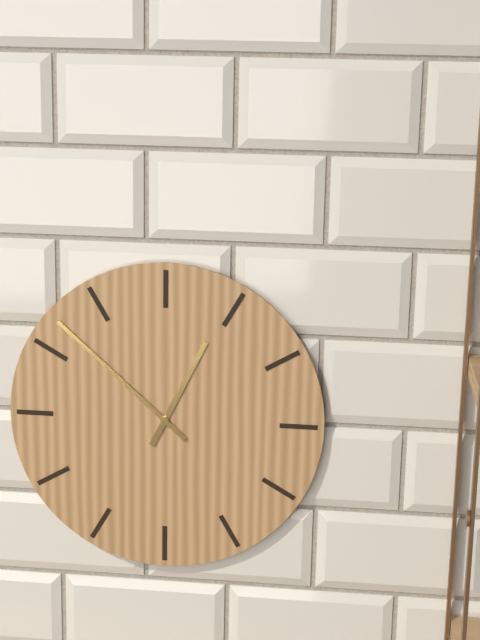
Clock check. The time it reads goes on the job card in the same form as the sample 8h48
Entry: 12h52
